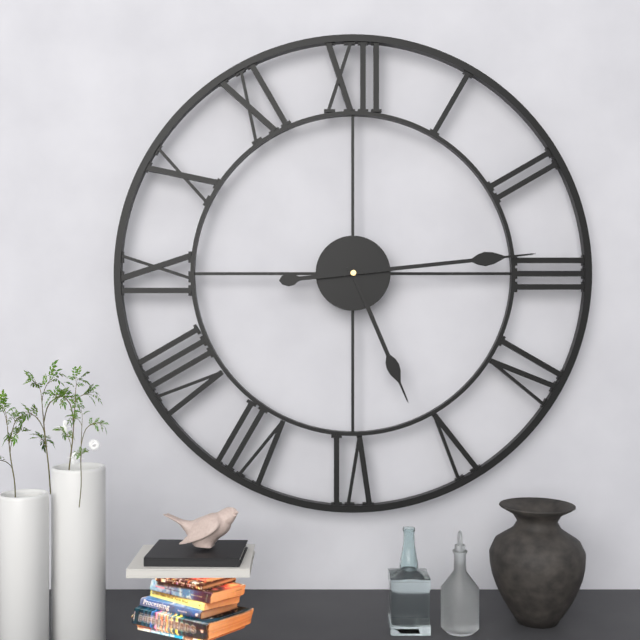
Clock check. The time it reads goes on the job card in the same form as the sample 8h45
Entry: 5h14
